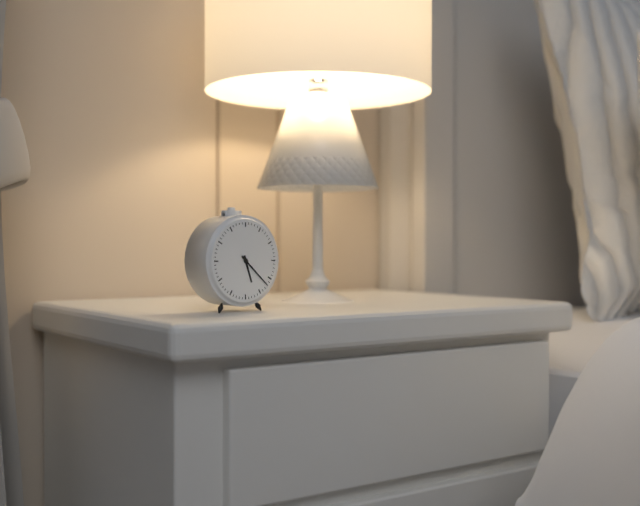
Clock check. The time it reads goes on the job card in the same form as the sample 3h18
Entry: 5h22
